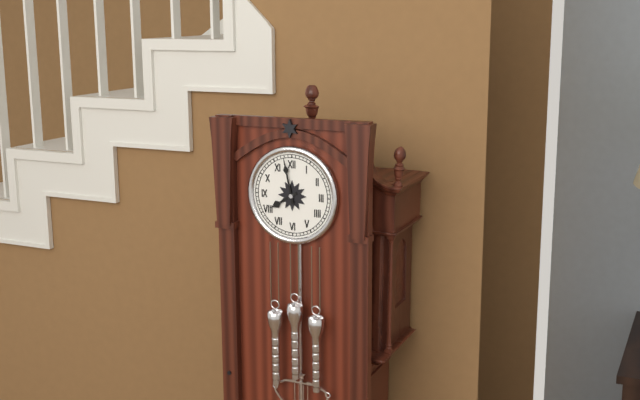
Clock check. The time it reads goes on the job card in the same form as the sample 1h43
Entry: 7h58
